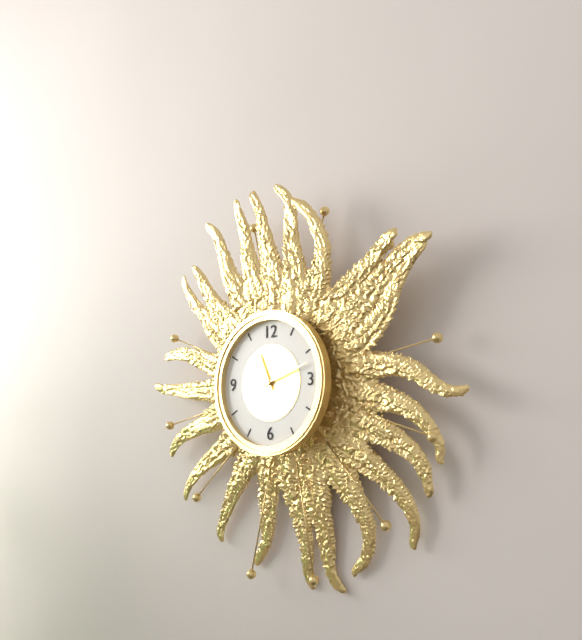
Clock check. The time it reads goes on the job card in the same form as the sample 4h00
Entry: 11h12
